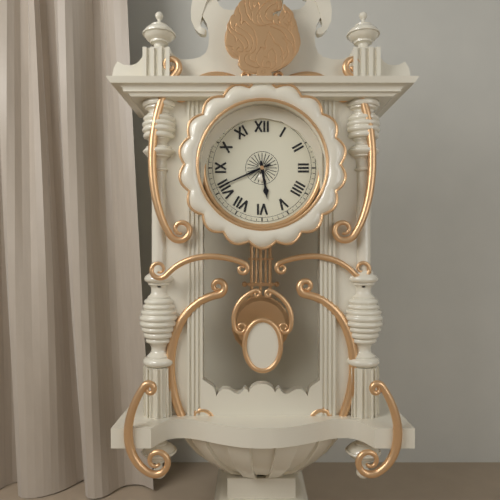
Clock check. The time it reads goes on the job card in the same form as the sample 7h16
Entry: 5h41
